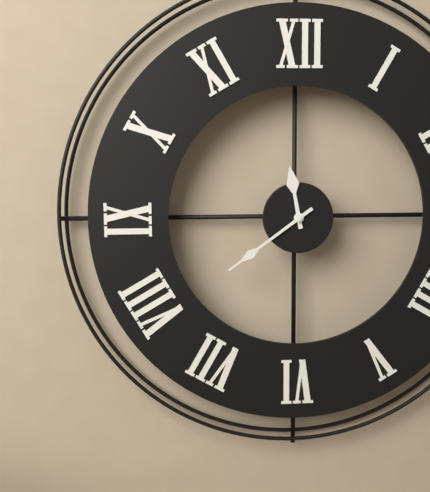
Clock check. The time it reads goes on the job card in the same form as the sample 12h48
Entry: 11h39
